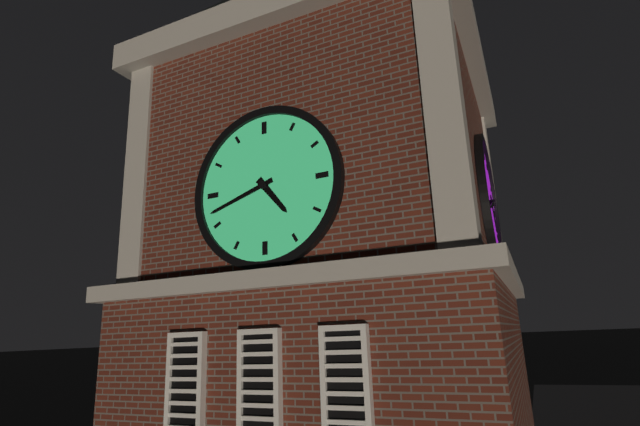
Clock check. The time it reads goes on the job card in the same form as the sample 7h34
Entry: 4h42
